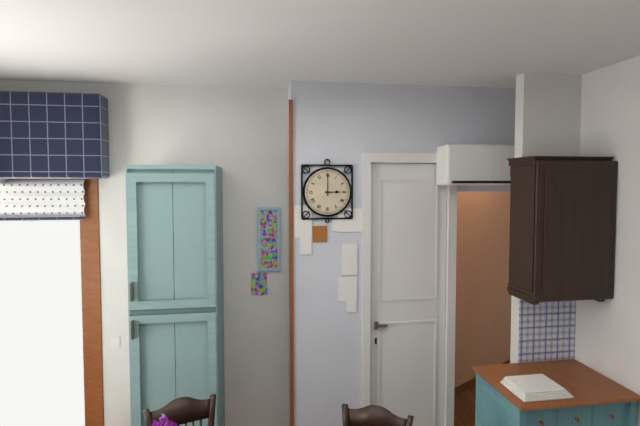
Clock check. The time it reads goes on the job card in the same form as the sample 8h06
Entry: 3h00
